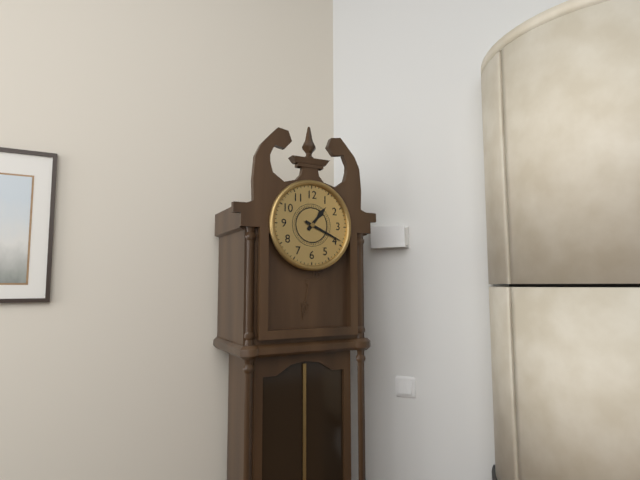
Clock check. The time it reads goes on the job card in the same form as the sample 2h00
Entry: 1h19
